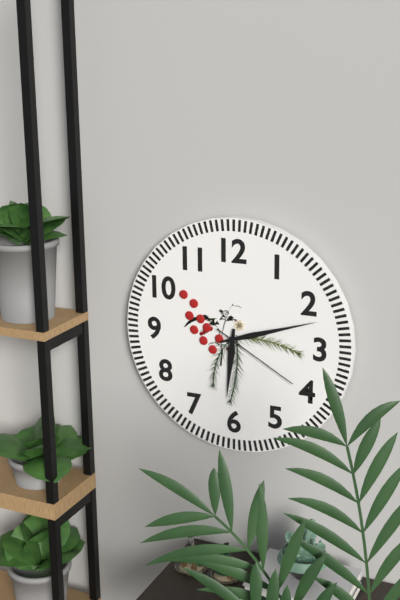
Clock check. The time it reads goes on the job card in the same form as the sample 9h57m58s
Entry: 6h12m20s
